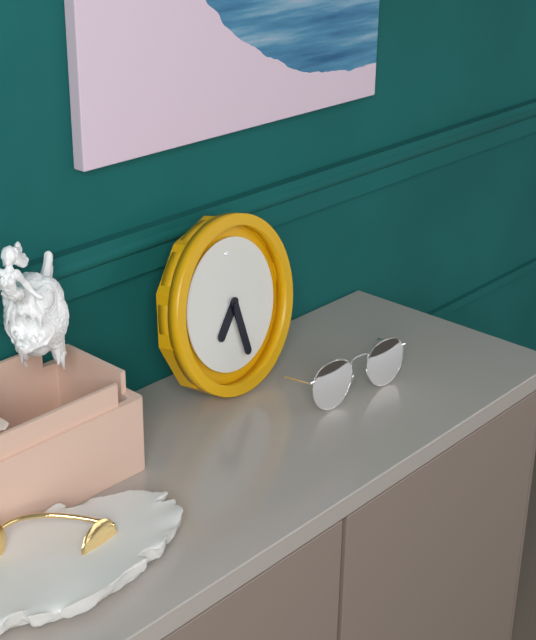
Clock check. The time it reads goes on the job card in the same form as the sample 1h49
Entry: 7h28
